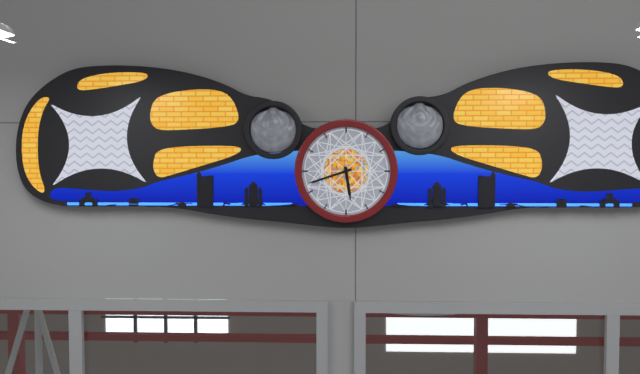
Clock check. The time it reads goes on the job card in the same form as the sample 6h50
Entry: 5h42
